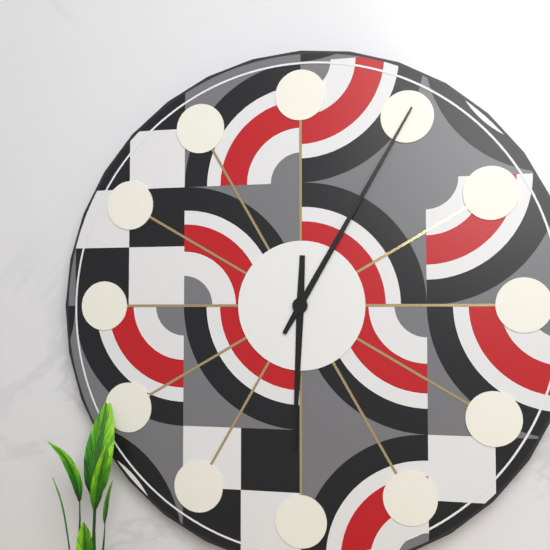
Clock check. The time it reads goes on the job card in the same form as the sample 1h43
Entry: 6h05
